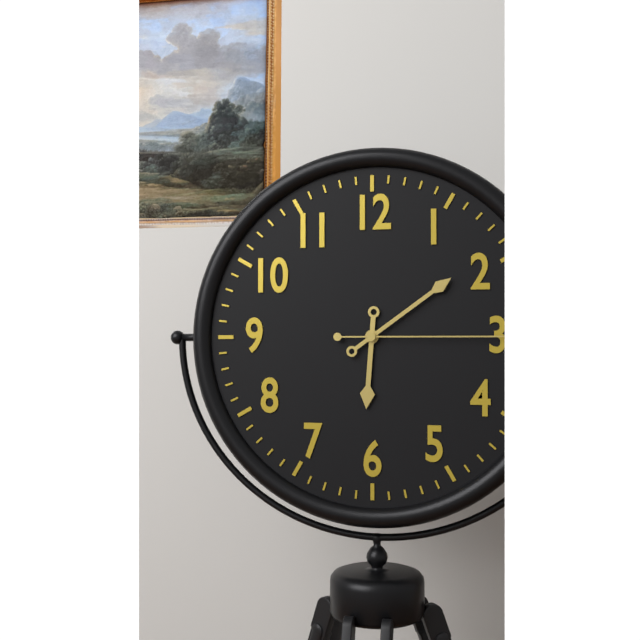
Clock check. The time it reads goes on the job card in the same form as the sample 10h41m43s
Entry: 6h09m15s
